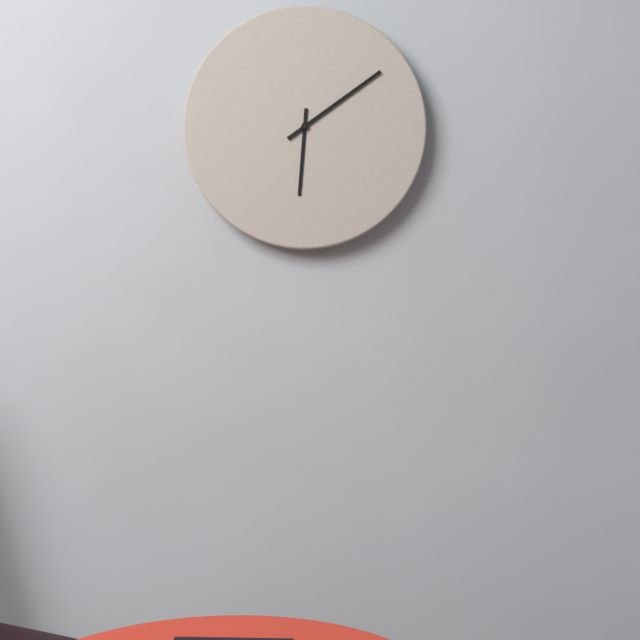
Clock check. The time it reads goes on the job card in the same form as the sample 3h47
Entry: 6h09
